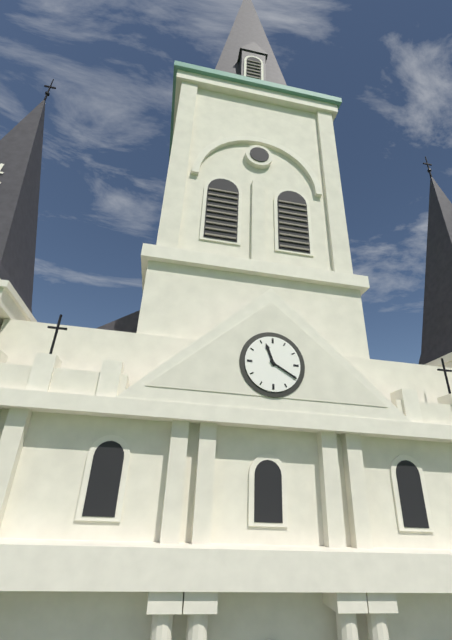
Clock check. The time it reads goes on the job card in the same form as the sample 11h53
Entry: 11h20
